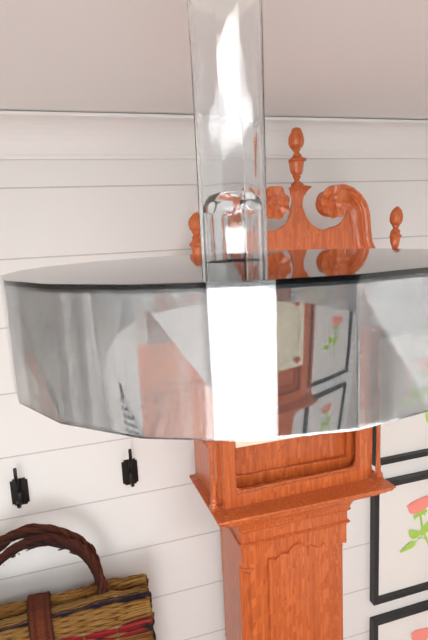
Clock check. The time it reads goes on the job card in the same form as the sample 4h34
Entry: 8h40
